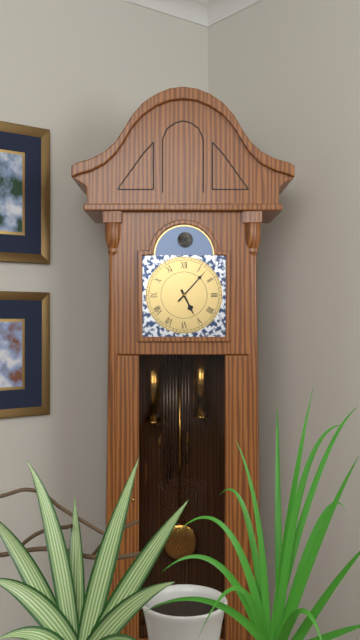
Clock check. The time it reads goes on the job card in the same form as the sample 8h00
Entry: 5h07
